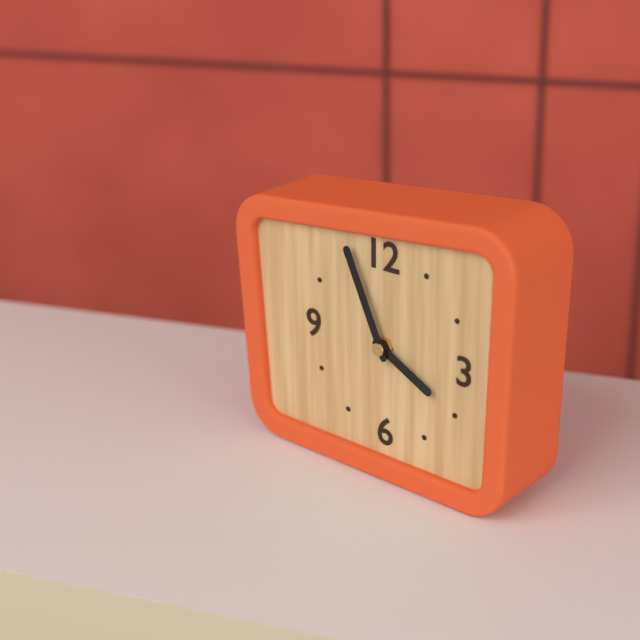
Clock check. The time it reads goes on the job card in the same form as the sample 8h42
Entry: 3h56
